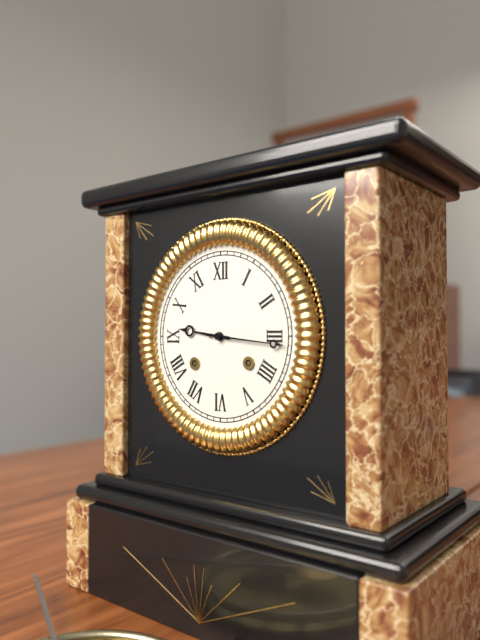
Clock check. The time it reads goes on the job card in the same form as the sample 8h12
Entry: 9h16
